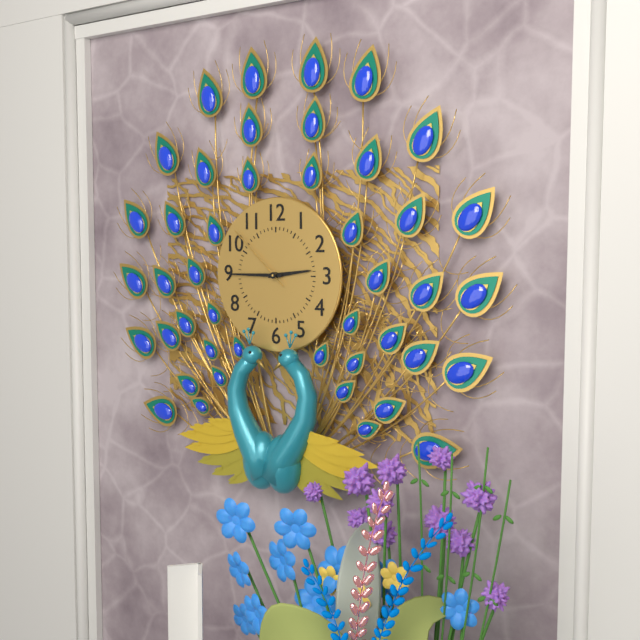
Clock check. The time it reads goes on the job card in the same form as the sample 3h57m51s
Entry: 2h45m52s
